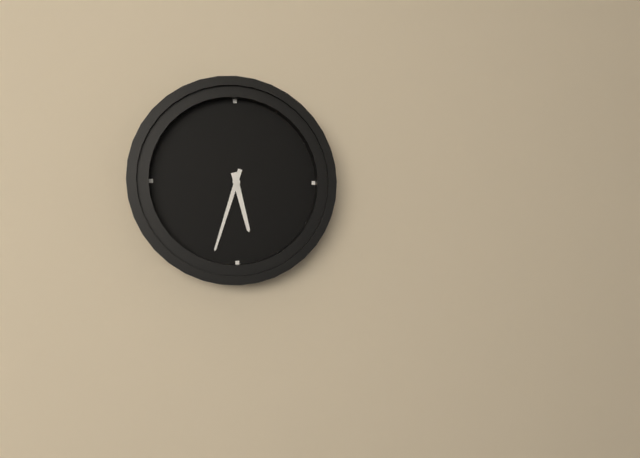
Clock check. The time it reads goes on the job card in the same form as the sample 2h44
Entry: 5h33
